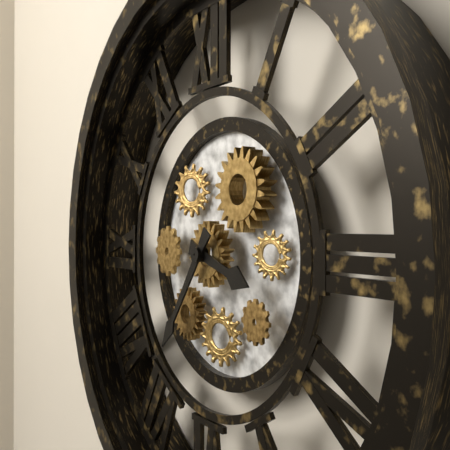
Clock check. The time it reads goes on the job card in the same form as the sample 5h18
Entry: 3h36
